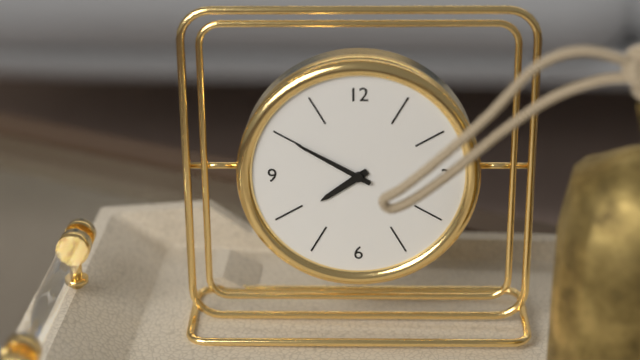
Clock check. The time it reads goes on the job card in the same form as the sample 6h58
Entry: 7h50
